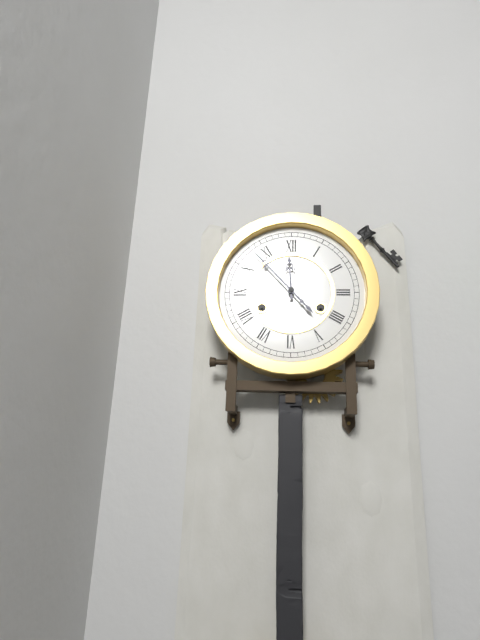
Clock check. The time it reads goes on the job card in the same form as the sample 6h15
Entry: 11h53
